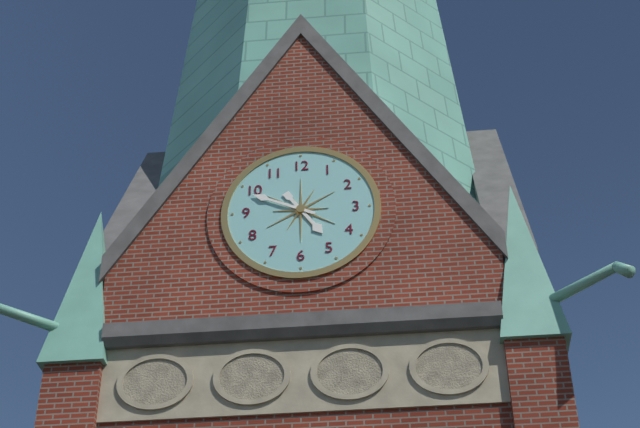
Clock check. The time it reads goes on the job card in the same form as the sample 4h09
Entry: 4h49
